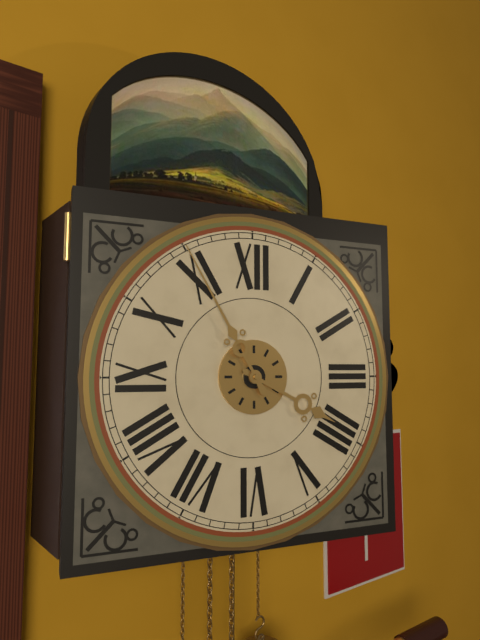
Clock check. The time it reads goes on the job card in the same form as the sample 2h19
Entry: 3h55
